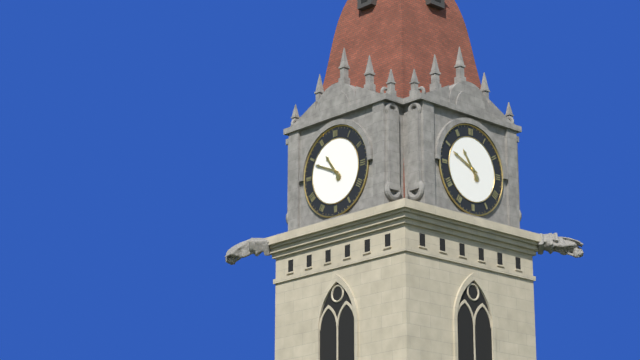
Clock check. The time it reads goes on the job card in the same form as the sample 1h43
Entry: 10h49
